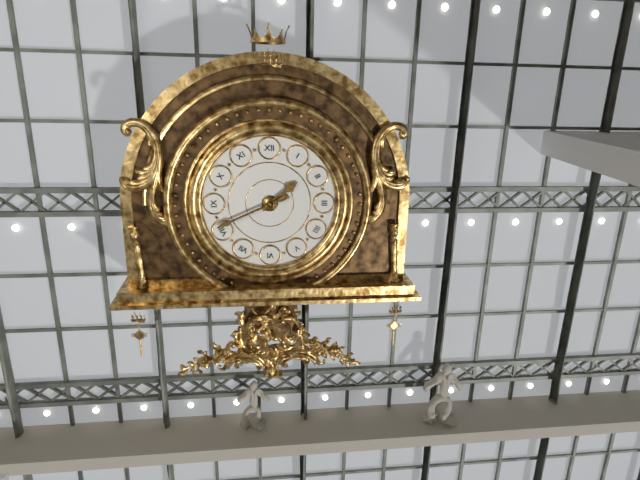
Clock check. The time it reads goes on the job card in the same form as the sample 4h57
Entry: 1h41
